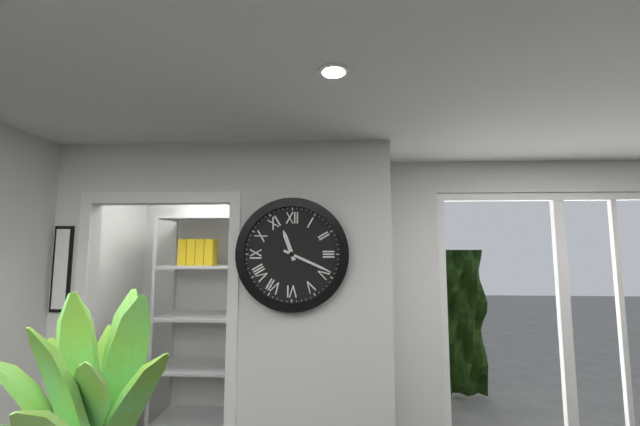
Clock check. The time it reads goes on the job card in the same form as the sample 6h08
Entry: 11h19
